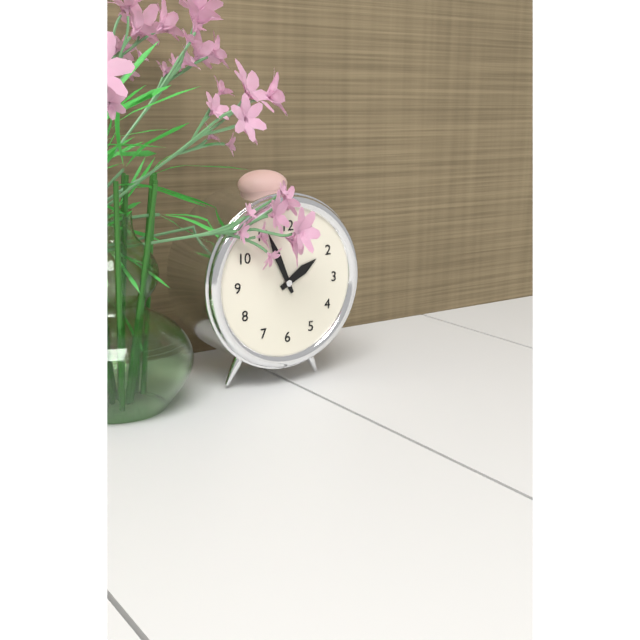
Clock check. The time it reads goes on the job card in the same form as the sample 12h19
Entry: 1h56
